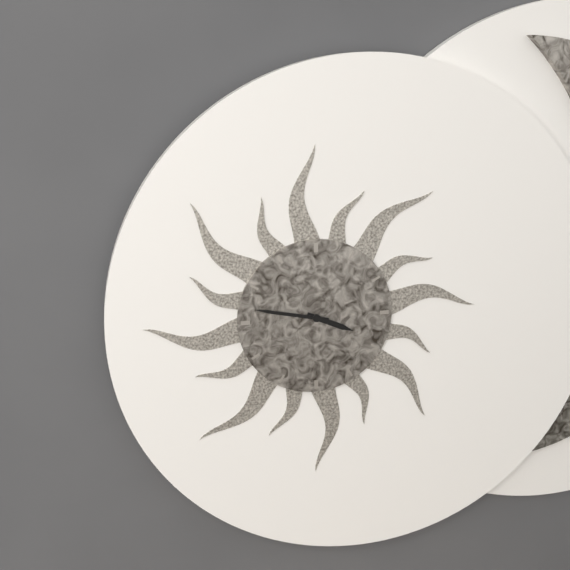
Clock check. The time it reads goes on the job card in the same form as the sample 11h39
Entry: 3h47
